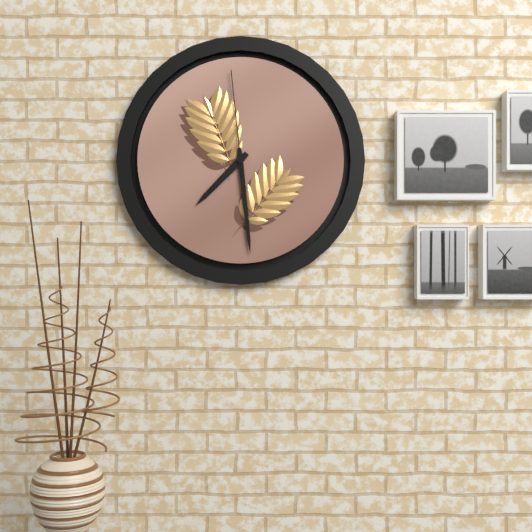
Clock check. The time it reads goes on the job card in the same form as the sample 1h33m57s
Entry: 7h29m59s
